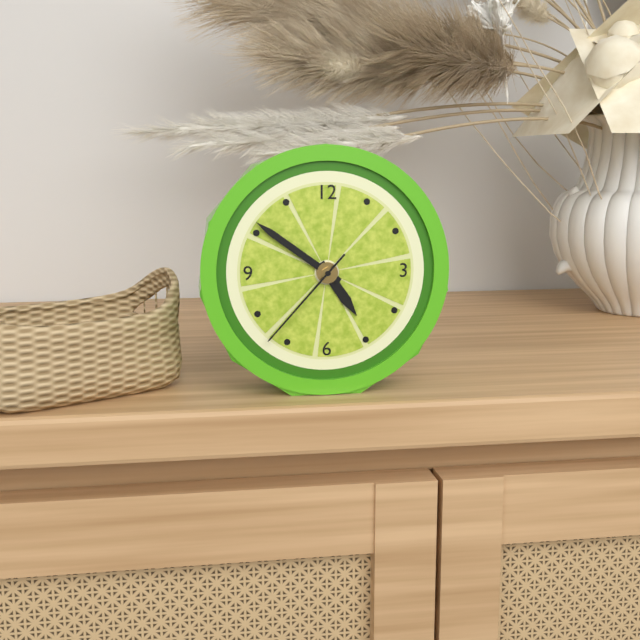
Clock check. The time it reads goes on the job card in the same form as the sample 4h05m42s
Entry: 4h51m37s
